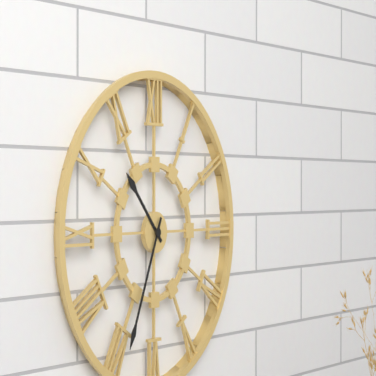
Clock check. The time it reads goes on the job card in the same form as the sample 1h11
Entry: 10h34
